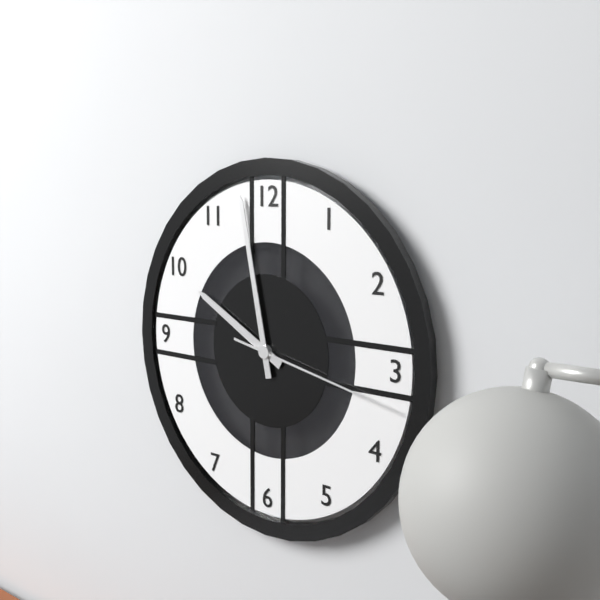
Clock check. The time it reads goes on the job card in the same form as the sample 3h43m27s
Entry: 9h58m17s
